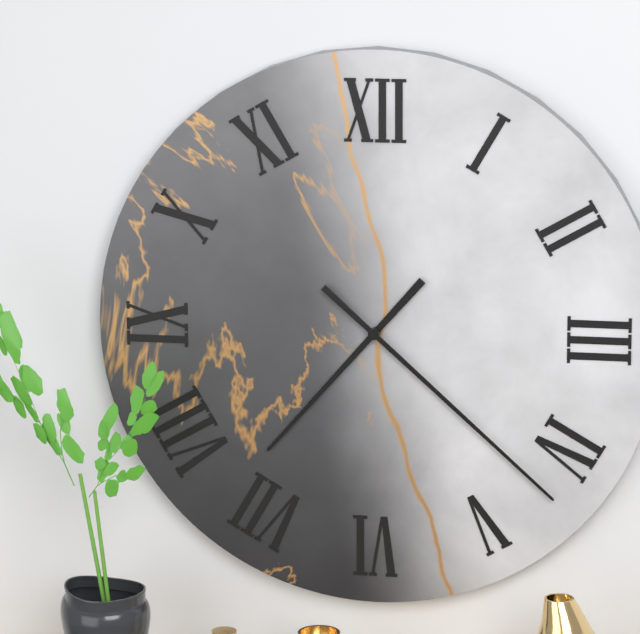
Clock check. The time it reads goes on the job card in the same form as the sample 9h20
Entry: 7h22
